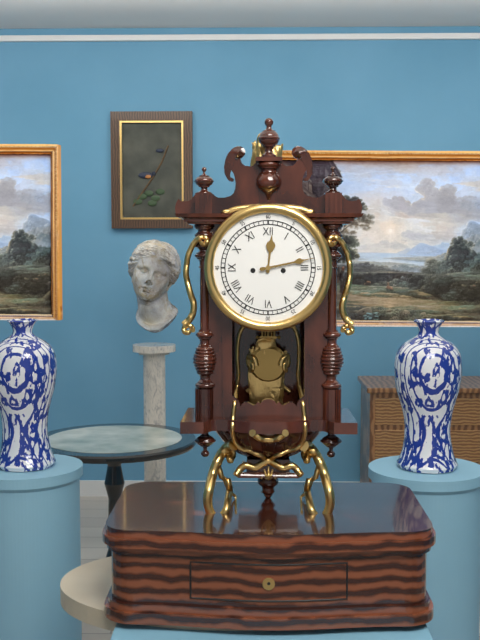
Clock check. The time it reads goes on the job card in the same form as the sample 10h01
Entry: 12h13
